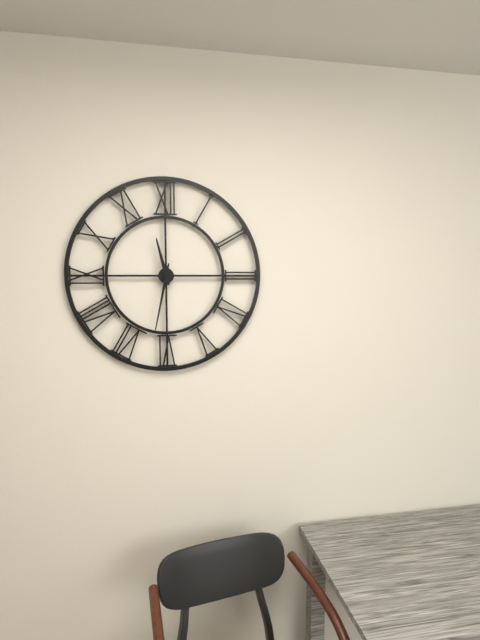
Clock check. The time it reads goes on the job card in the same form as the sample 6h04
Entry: 11h32
